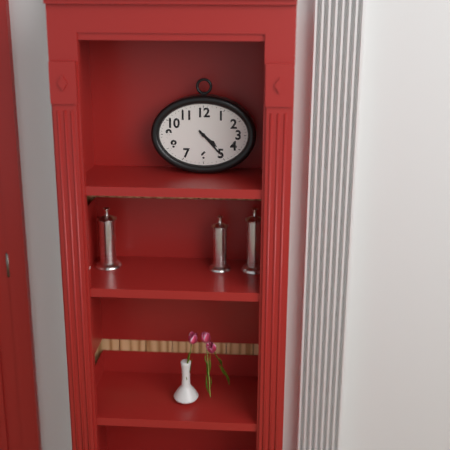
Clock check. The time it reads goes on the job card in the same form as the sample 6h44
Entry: 4h23
